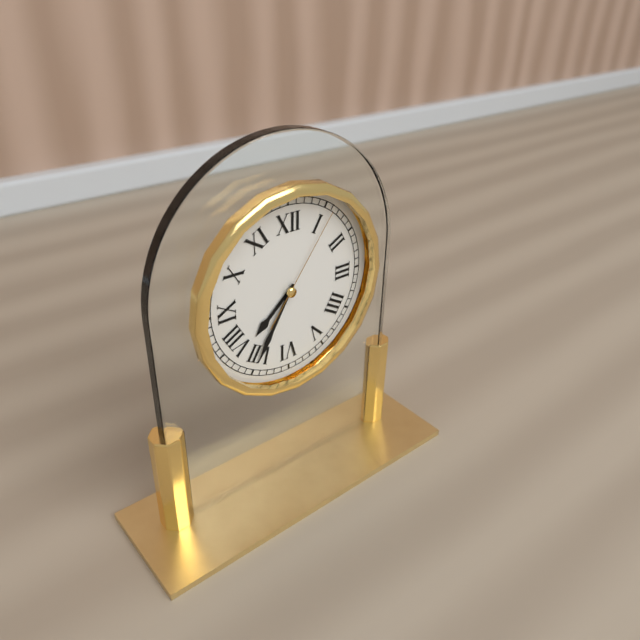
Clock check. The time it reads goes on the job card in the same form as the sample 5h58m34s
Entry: 7h35m06s
